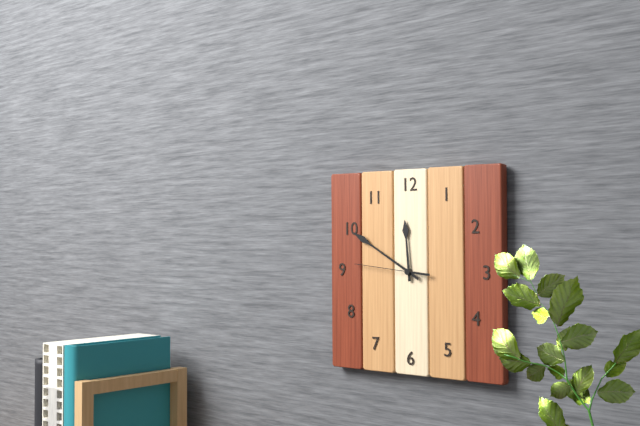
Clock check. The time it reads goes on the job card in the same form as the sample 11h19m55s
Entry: 11h50m46s
